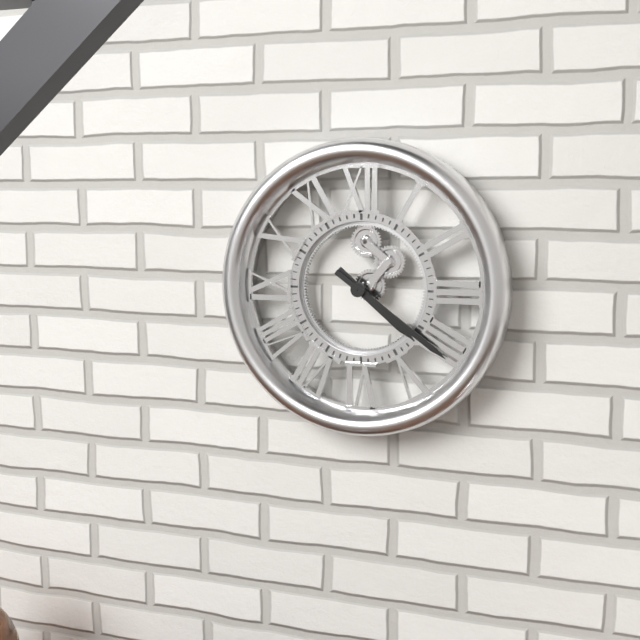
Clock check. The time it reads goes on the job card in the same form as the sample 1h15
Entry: 4h21
